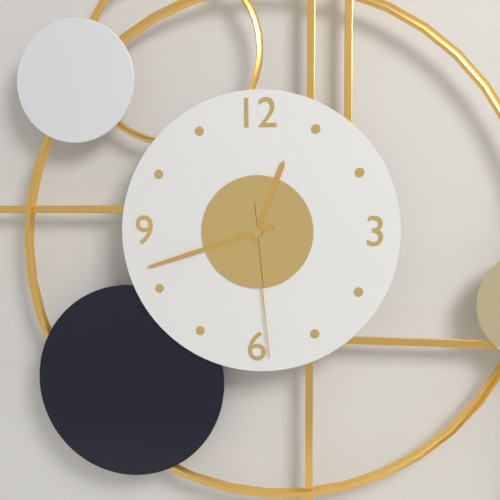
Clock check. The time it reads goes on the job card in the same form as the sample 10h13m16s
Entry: 12h42m29s
